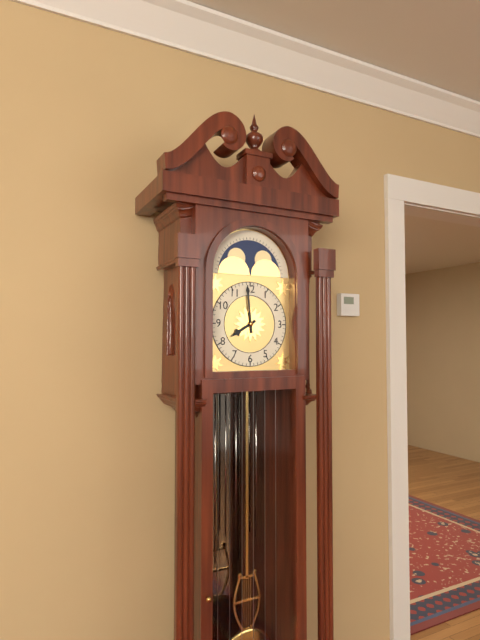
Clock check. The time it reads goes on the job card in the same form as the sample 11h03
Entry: 7h59
